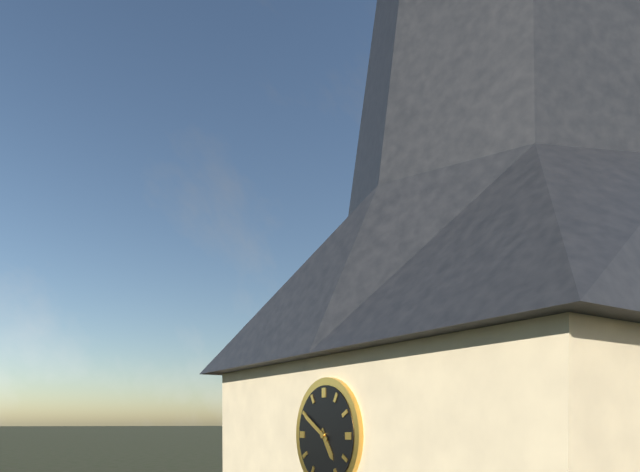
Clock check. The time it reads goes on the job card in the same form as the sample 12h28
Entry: 4h50
